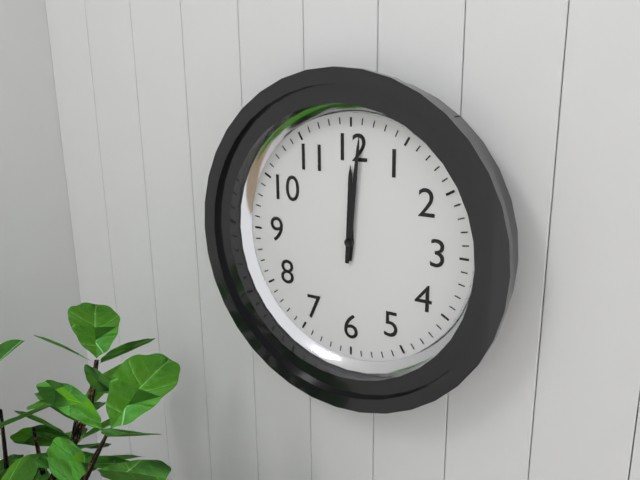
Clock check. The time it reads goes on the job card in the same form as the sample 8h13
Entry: 12h01
